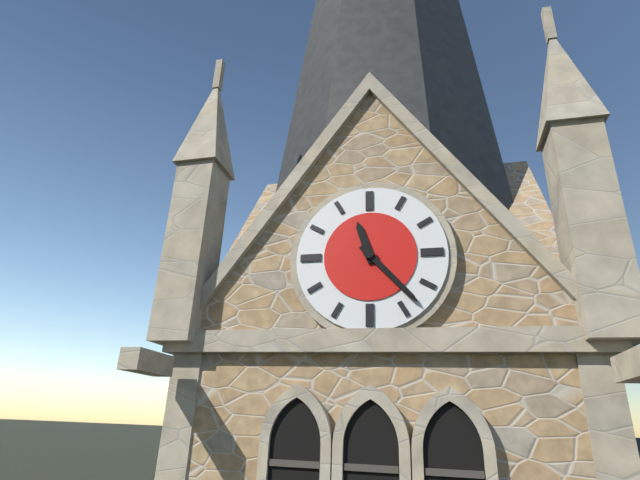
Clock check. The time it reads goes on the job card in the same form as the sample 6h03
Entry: 11h23
